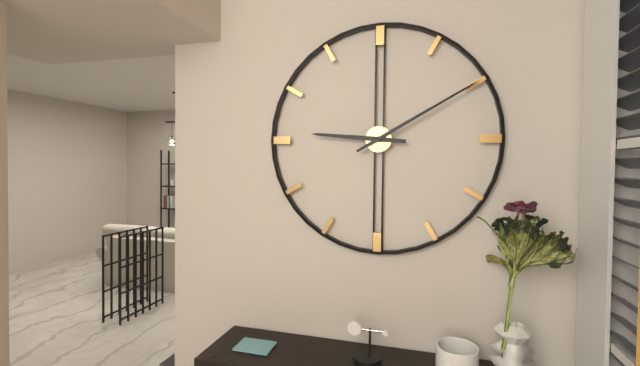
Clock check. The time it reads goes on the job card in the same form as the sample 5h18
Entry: 9h10
